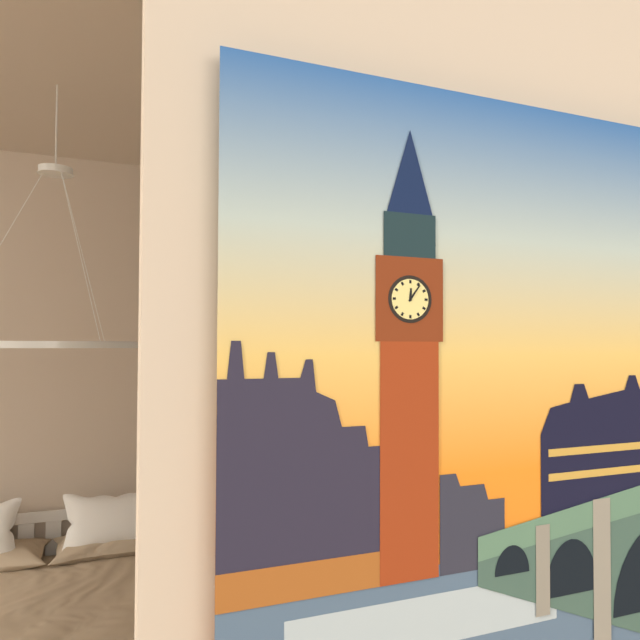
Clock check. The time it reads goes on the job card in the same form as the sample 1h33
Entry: 12h06
